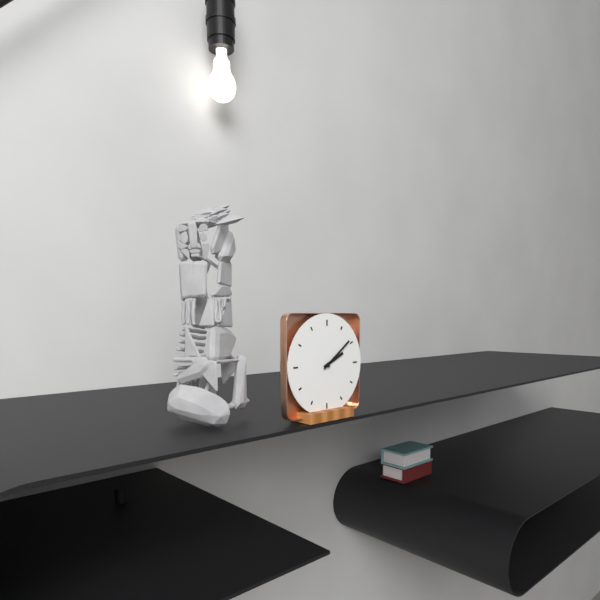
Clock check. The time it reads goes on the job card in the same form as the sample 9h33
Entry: 2h09
